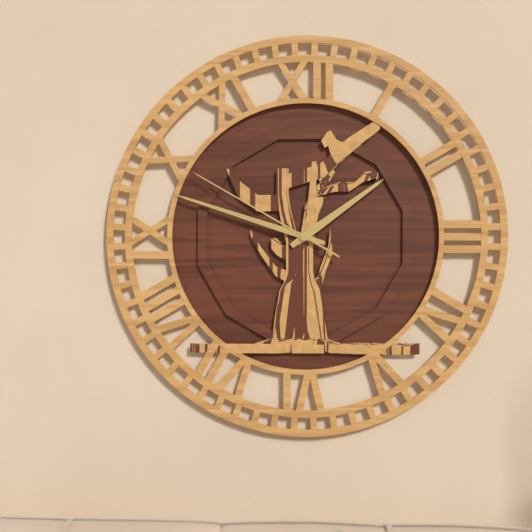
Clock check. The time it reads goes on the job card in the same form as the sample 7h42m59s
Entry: 1h48m50s
